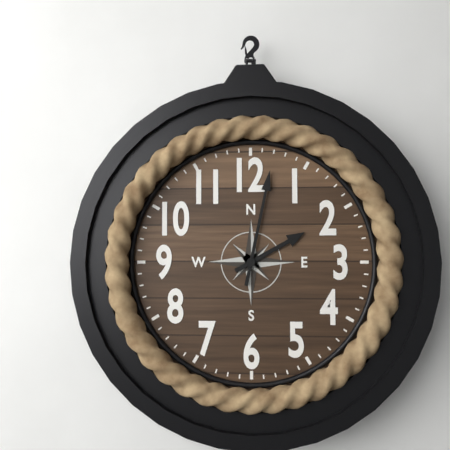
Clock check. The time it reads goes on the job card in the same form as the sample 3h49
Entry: 2h02
